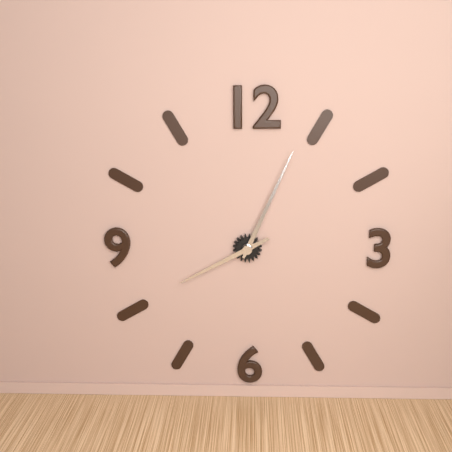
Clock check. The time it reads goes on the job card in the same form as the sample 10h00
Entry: 8h04
